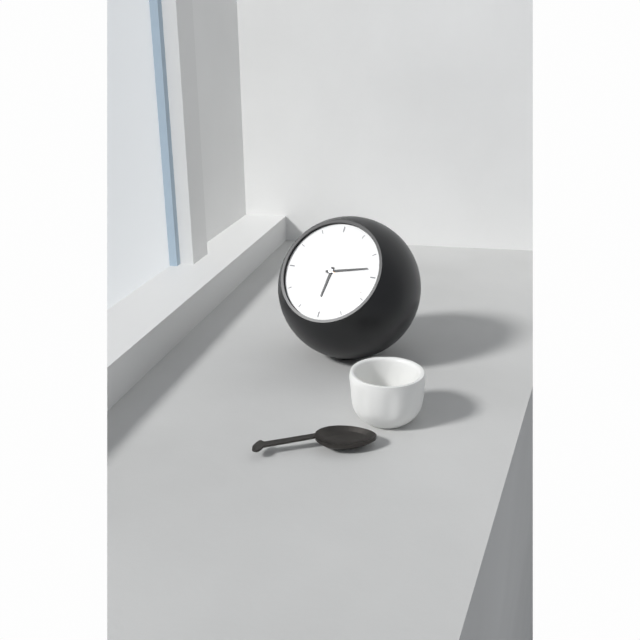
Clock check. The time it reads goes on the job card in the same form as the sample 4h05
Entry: 6h13
